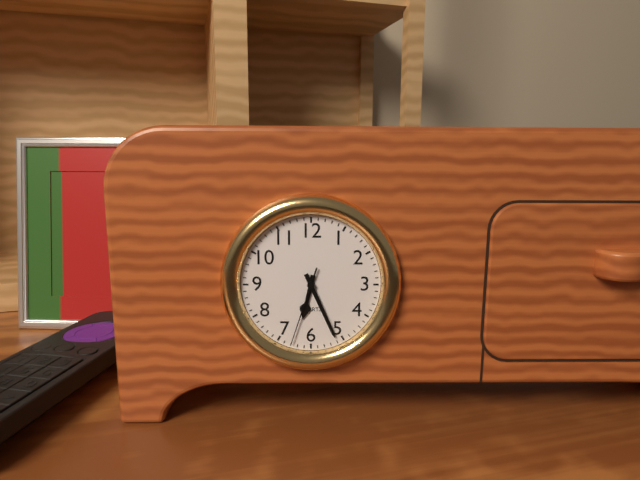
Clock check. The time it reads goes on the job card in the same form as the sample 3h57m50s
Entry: 6h26m33s
